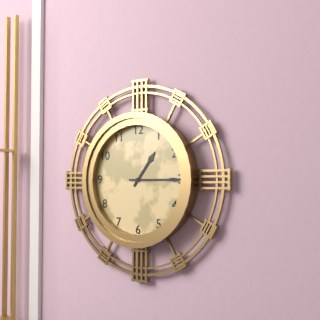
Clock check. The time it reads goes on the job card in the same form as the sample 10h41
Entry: 1h15
